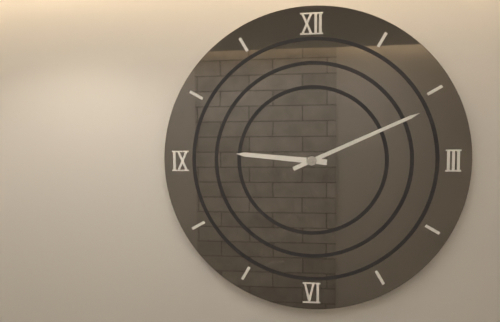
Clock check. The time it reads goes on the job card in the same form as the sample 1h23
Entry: 9h11
